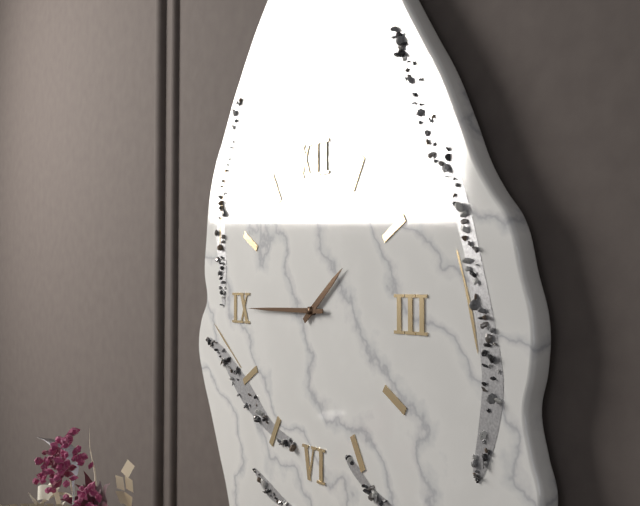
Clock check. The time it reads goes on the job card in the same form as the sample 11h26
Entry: 1h45
